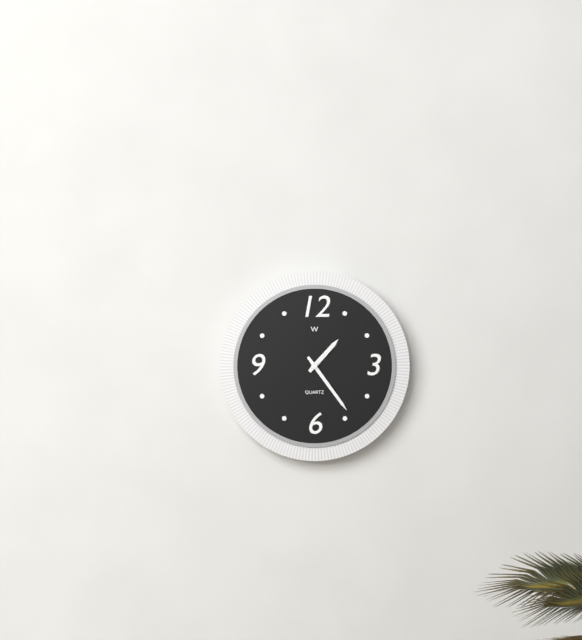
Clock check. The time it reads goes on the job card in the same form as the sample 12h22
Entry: 1h24
